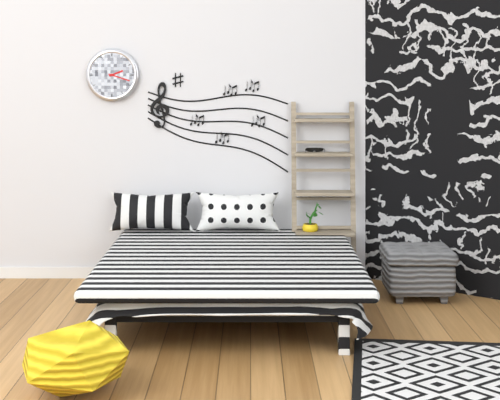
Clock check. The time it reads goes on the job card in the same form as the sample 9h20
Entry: 2h18
